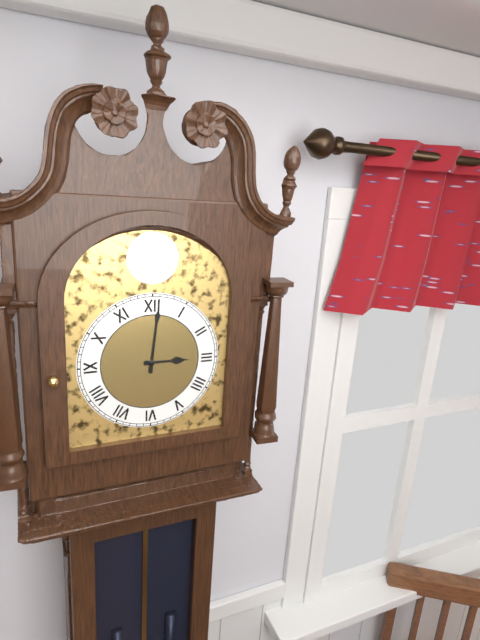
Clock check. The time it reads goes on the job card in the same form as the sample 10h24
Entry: 3h01
